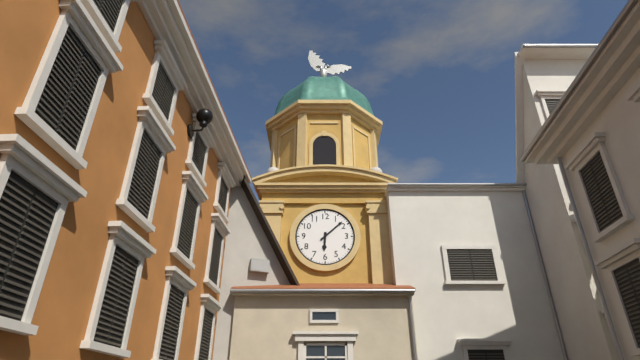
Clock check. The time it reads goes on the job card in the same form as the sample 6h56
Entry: 6h08
